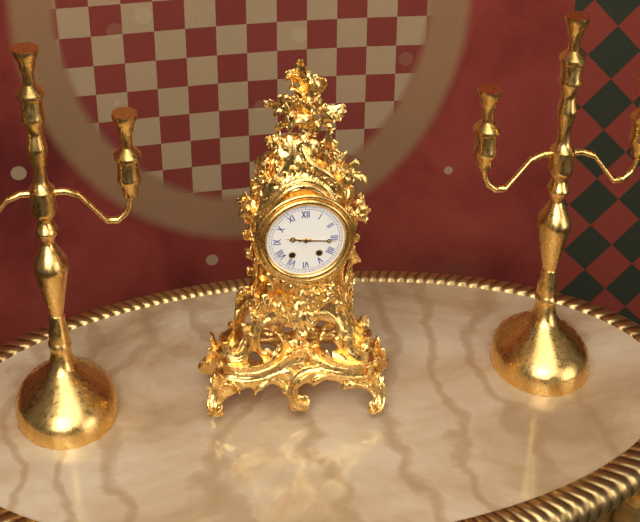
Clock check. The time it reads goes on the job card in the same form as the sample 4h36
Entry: 9h16
